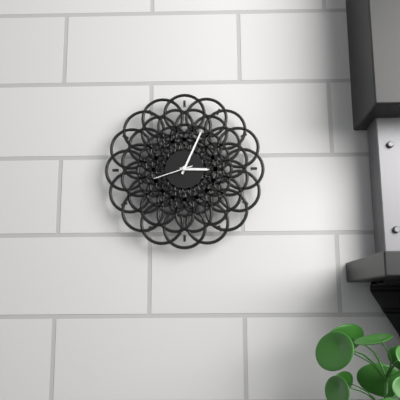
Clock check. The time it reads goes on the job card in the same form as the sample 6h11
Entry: 3h04
